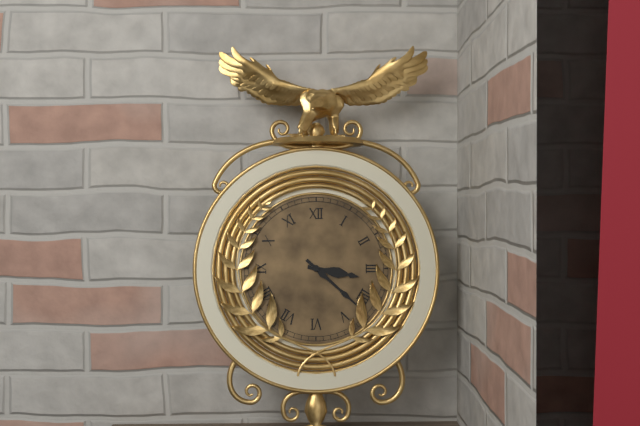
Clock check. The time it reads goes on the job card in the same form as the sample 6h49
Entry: 3h22
